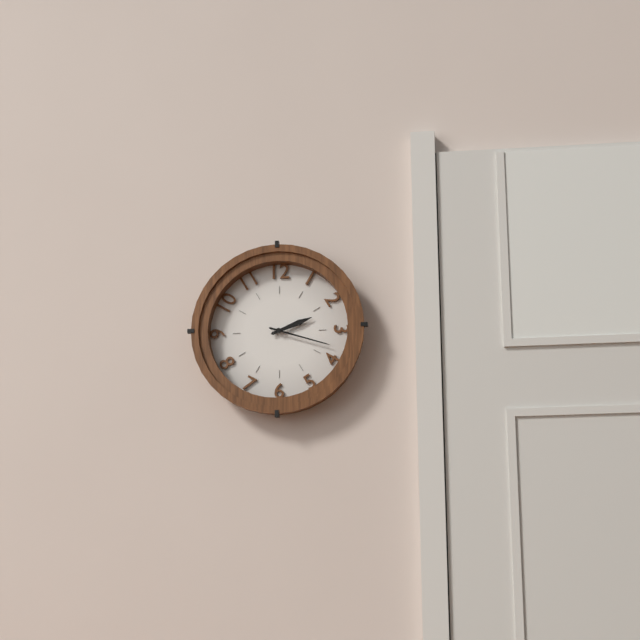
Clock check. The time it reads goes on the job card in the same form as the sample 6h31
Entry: 2h18
